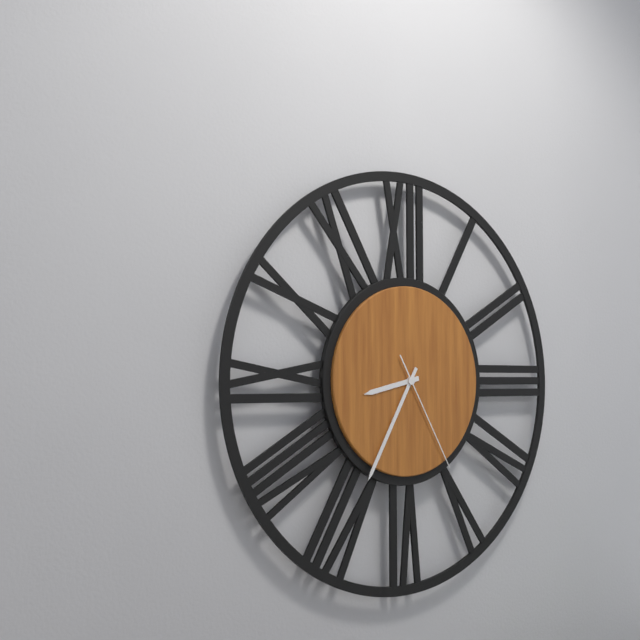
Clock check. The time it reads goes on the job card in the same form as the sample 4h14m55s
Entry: 8h35m25s
